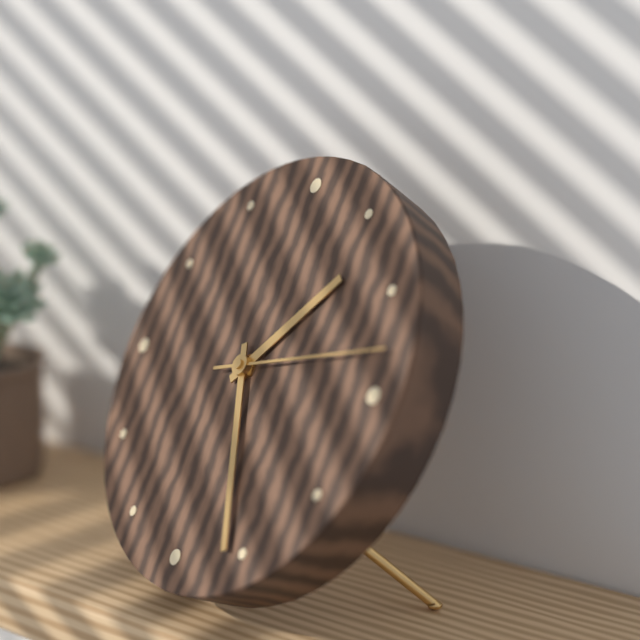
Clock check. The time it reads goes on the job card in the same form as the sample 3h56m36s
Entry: 1h26m13s
